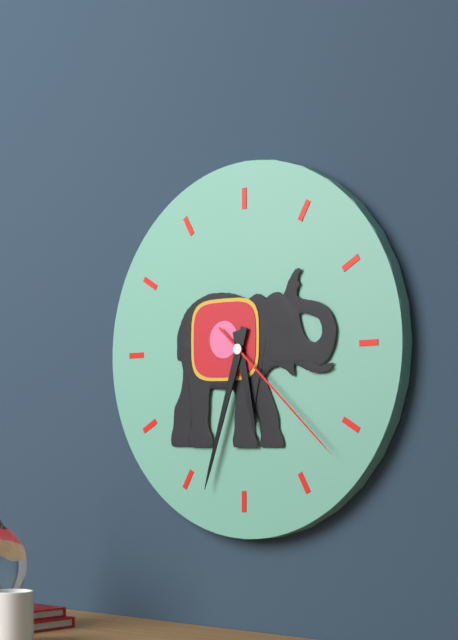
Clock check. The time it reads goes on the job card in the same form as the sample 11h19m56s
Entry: 5h33m22s
